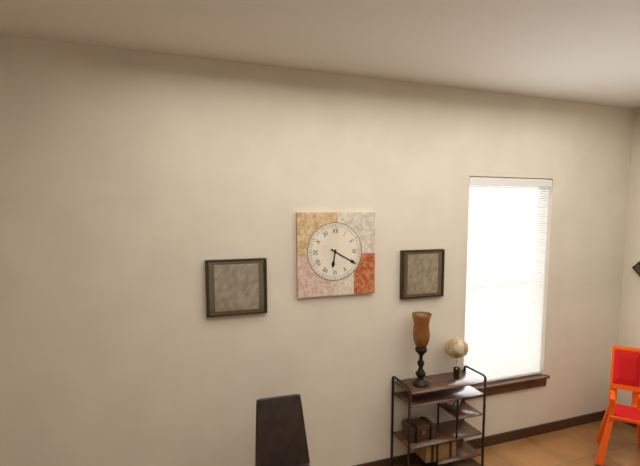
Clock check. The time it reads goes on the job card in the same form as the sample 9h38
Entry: 6h20
